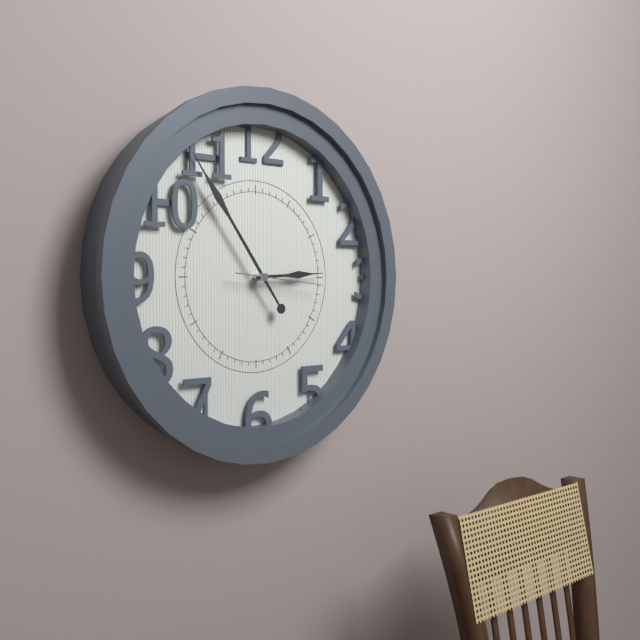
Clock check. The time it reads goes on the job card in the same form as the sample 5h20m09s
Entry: 2h54m16s
